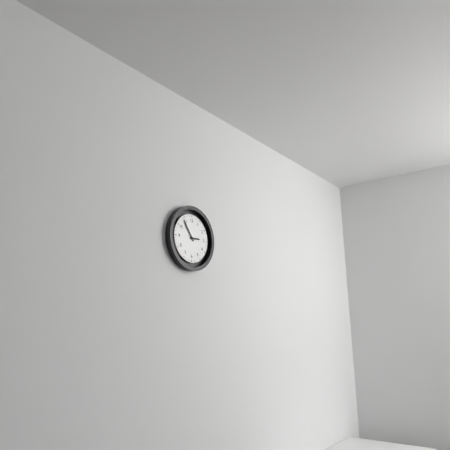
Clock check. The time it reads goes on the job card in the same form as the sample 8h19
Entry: 2h54
